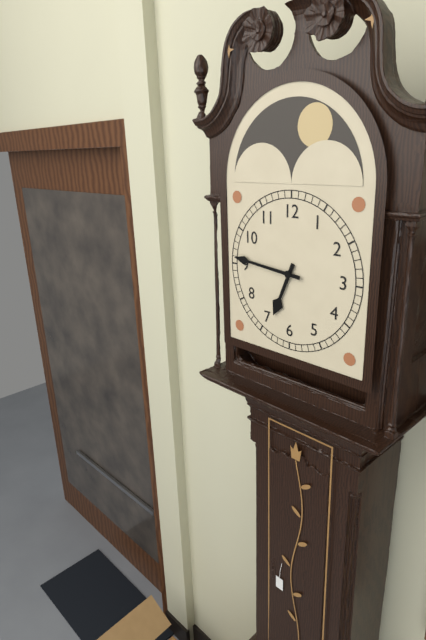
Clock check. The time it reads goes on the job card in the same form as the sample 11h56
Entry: 6h46
